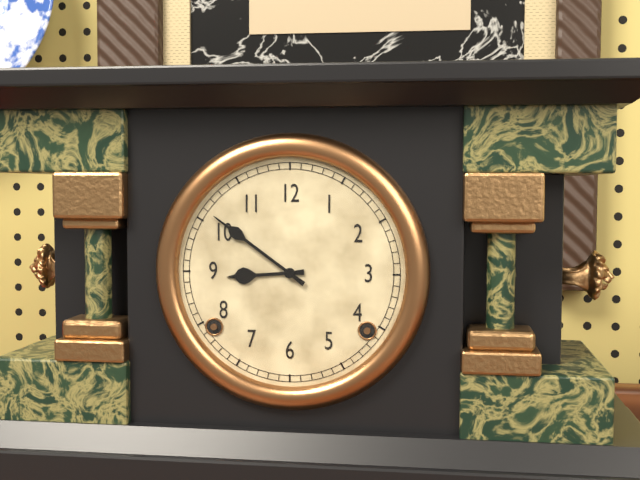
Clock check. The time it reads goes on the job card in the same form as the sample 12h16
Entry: 8h51
